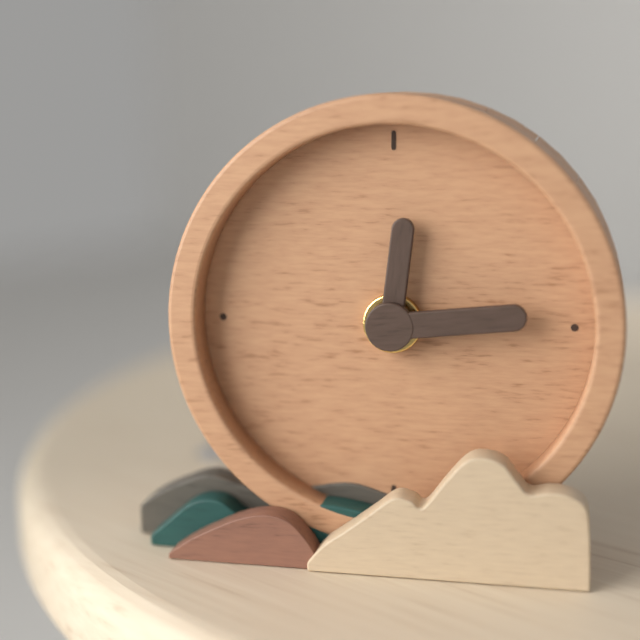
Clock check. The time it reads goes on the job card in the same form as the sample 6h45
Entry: 12h14
